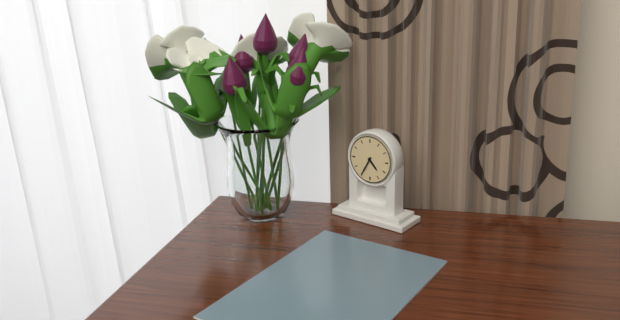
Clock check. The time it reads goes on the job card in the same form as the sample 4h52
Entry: 4h35
